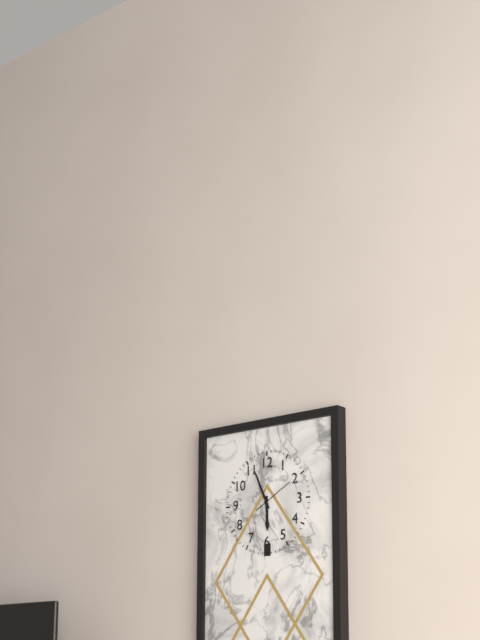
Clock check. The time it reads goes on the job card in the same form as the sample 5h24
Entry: 5h56
